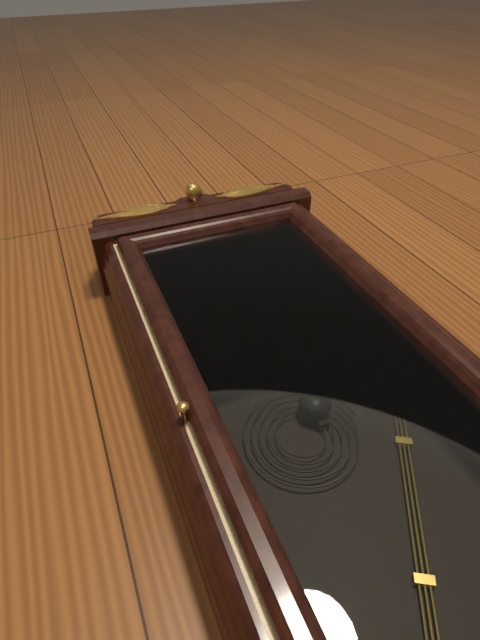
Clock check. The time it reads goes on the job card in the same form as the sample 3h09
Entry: 5h58
